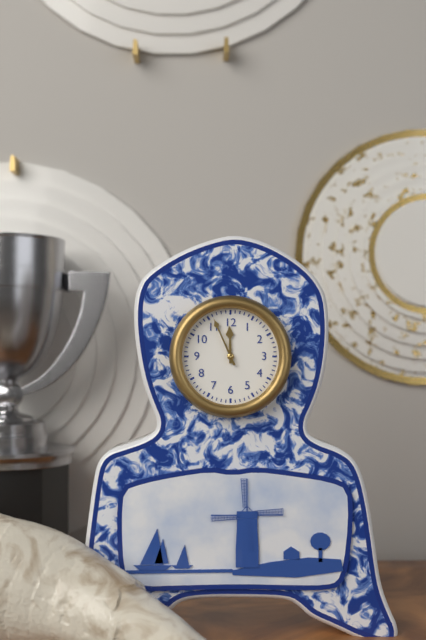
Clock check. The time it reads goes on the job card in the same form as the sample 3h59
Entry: 11h56
